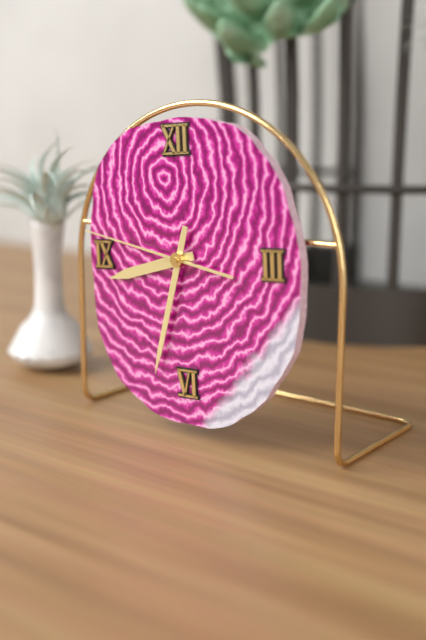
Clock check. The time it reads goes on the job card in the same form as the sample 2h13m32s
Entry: 8h33m47s
